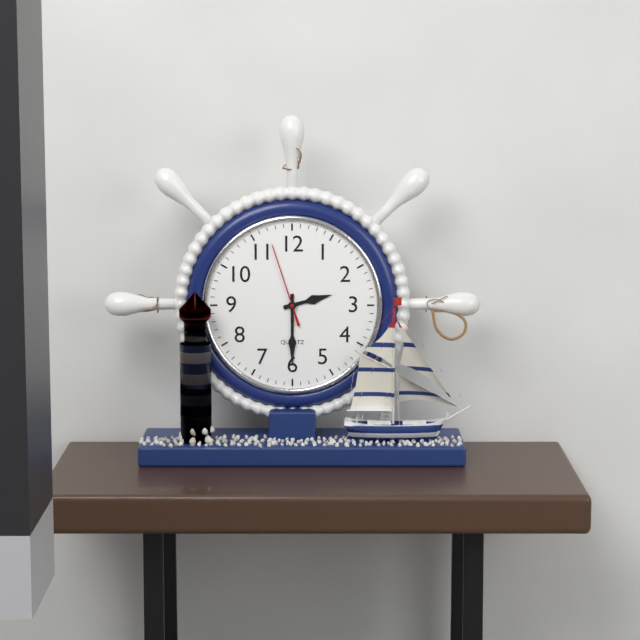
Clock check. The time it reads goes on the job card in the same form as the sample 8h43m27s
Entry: 2h30m57s
